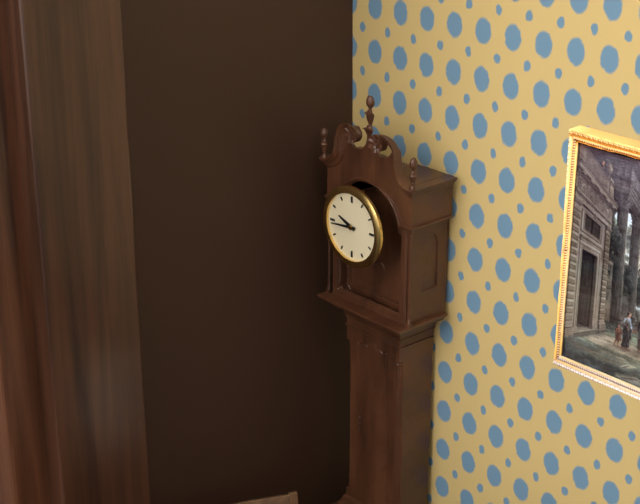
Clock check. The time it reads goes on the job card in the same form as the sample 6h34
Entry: 9h44
